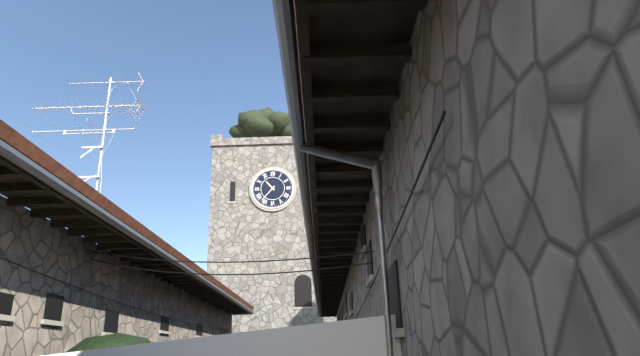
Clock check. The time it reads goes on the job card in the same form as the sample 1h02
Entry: 10h37
